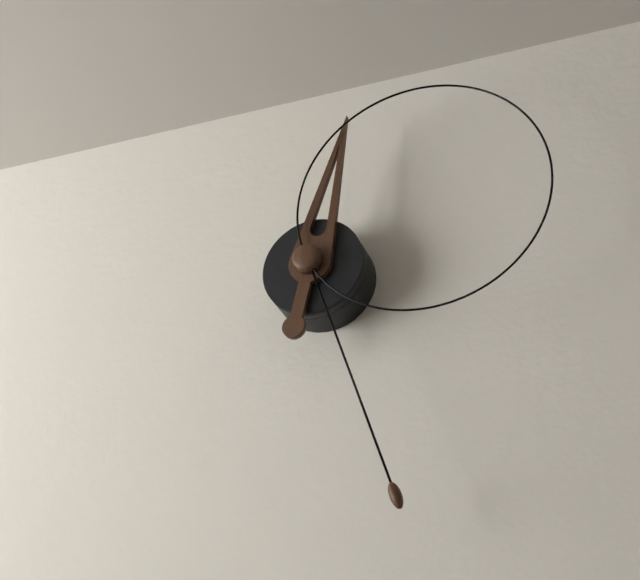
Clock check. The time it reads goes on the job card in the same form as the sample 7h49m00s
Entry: 12h27m11s
